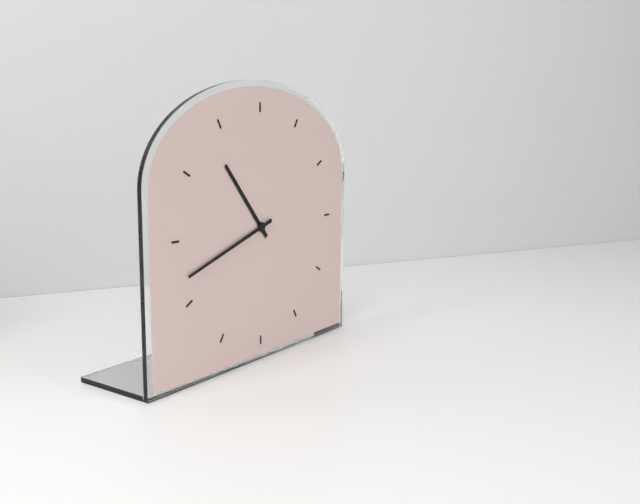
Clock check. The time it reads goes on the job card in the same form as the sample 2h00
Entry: 10h42
